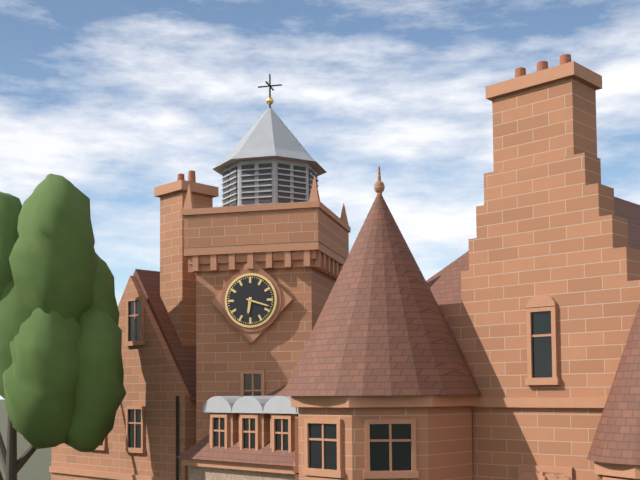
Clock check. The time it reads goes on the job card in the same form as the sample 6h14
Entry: 6h18
